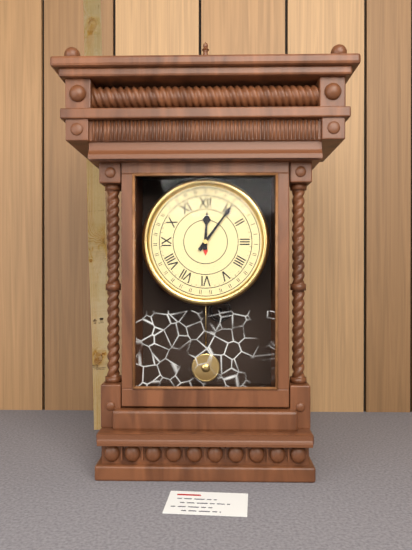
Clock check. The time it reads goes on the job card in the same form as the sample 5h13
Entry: 12h06
